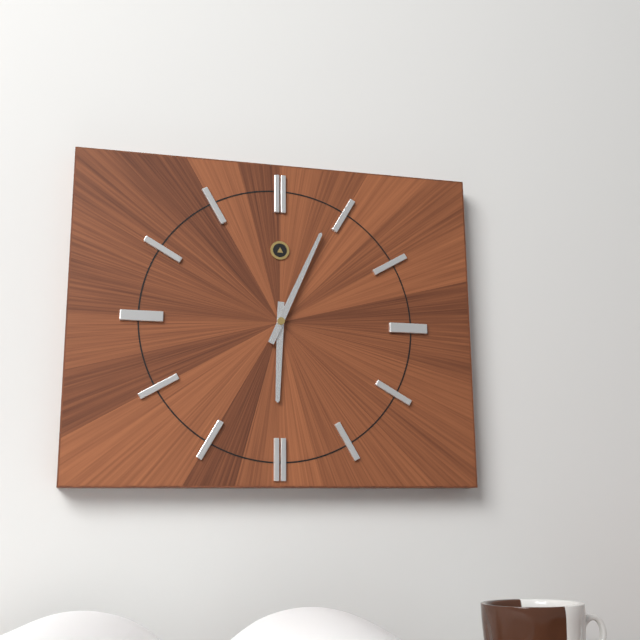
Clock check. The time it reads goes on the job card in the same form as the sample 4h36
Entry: 6h04
